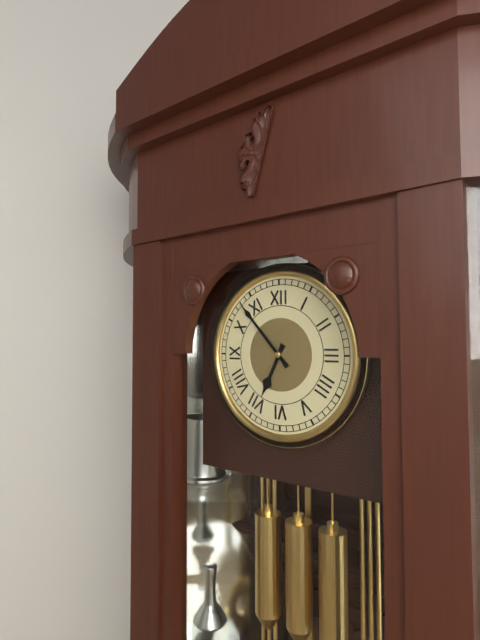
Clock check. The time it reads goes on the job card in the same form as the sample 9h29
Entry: 6h53
